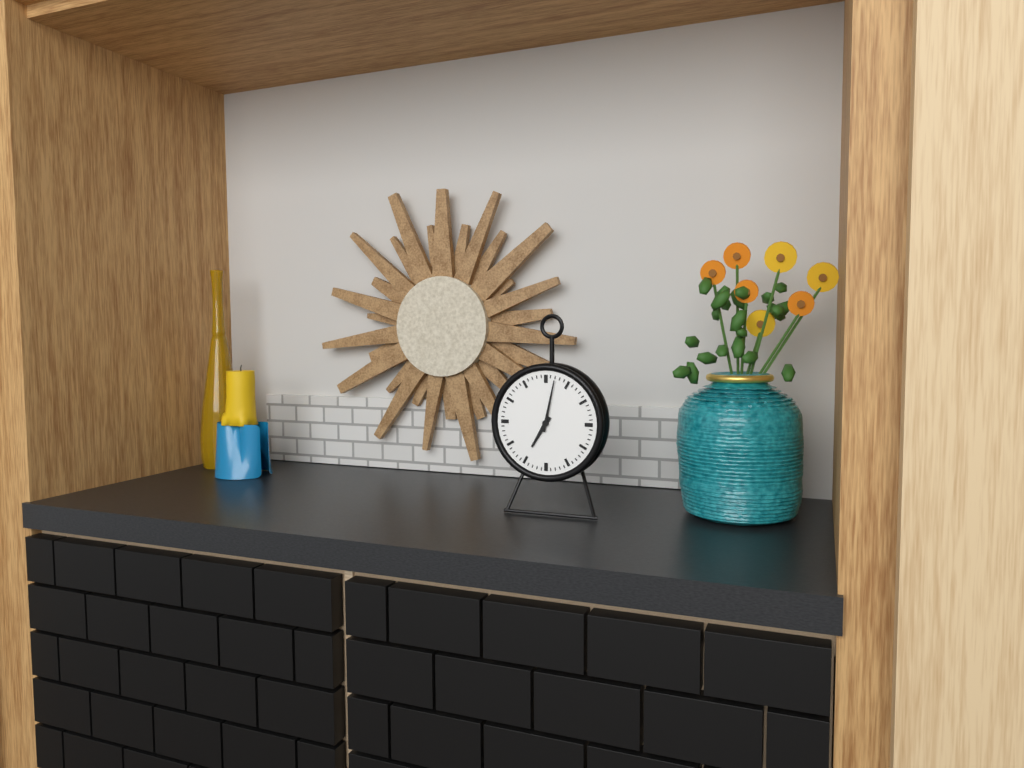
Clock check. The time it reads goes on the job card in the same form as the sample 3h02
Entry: 7h02
